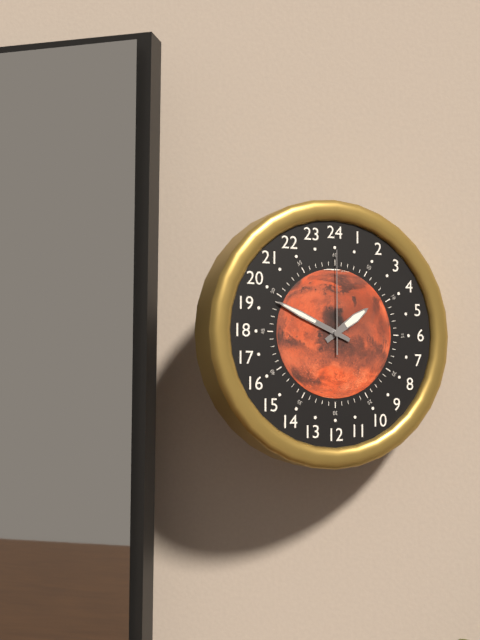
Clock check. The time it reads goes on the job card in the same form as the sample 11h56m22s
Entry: 1h49m00s
